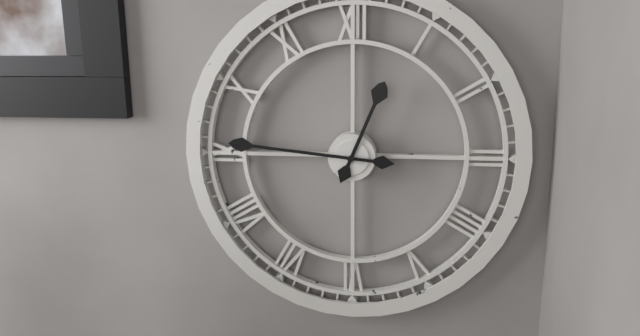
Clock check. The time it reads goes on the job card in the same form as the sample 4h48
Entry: 12h46
